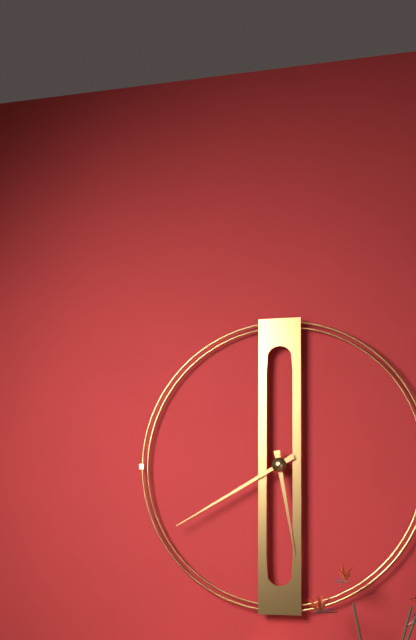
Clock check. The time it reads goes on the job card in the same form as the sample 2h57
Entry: 5h40
